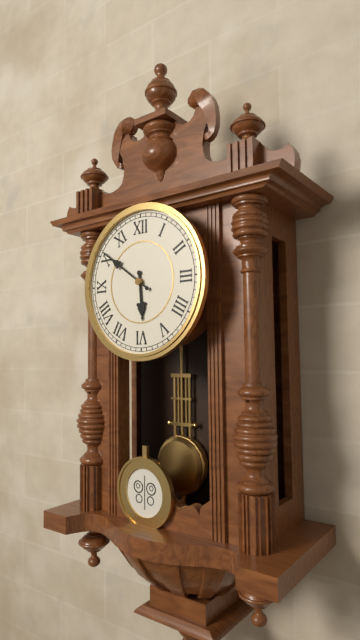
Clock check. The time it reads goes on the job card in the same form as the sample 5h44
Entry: 5h51
